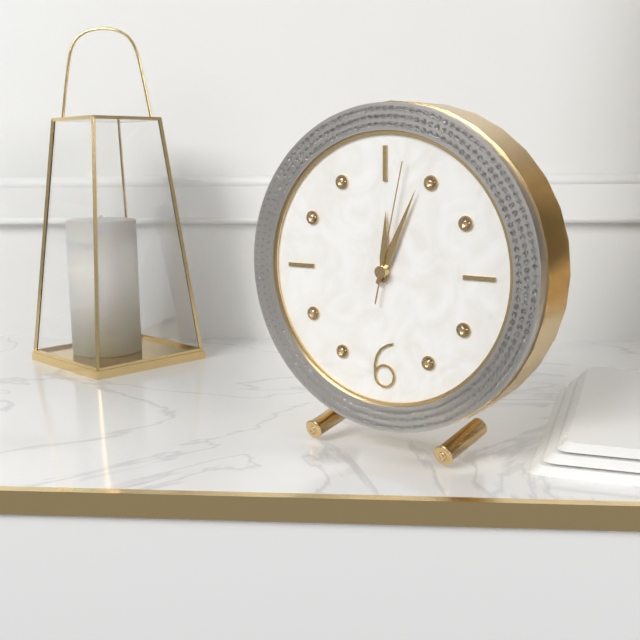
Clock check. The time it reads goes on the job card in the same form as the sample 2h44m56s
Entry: 12h04m02s
